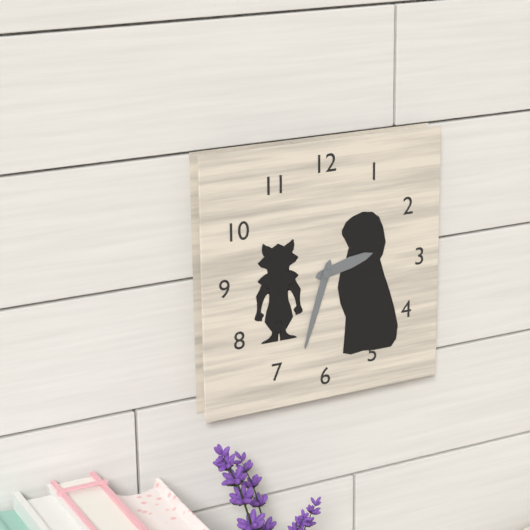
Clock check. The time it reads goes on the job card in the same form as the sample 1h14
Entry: 2h33
